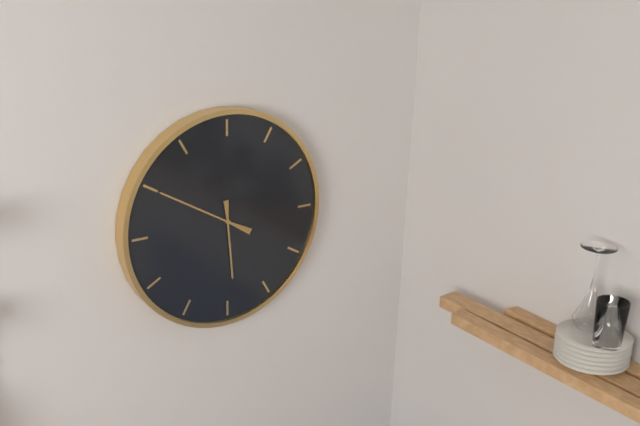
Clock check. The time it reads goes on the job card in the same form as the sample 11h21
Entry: 5h50
